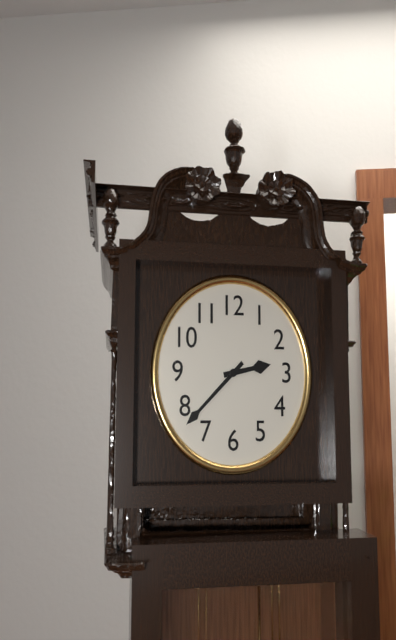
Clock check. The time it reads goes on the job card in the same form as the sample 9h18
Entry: 2h38
